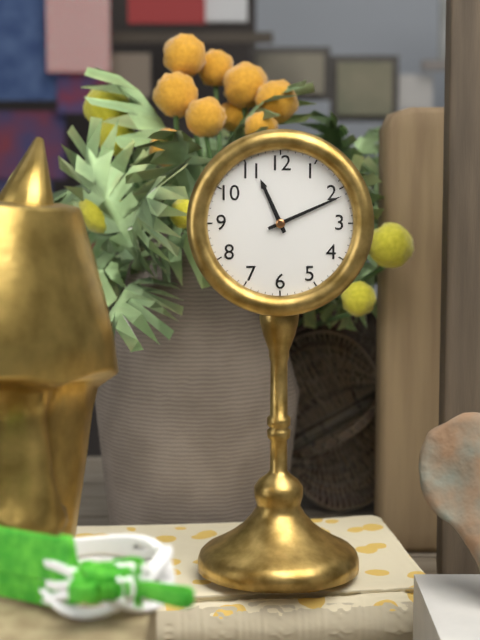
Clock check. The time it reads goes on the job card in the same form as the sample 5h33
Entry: 11h11
